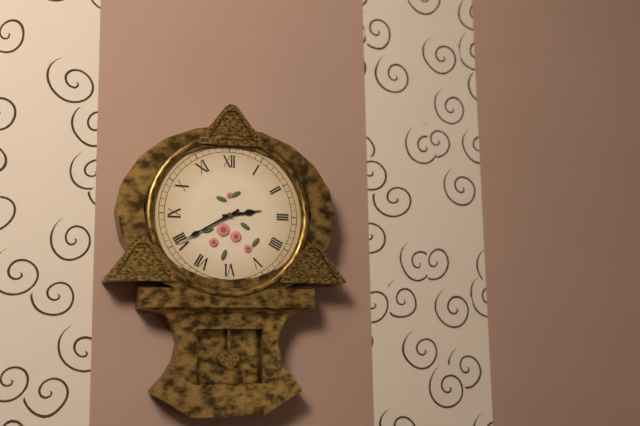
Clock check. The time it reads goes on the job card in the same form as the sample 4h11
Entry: 2h40
